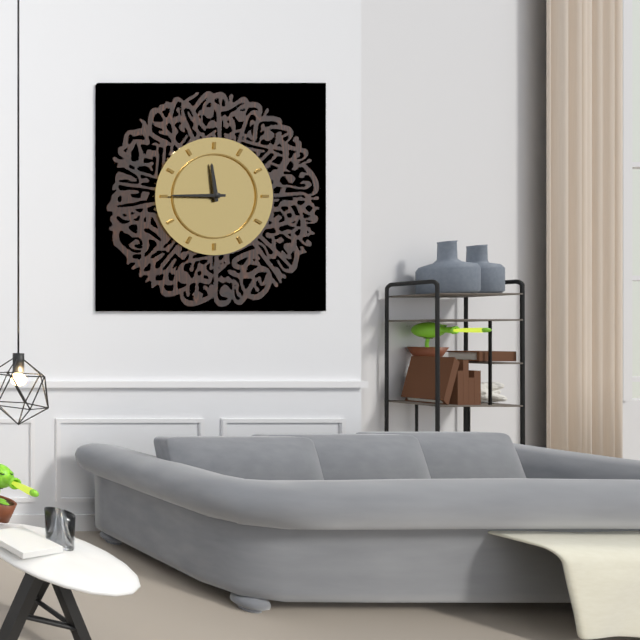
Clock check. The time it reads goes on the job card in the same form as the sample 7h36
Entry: 11h45
